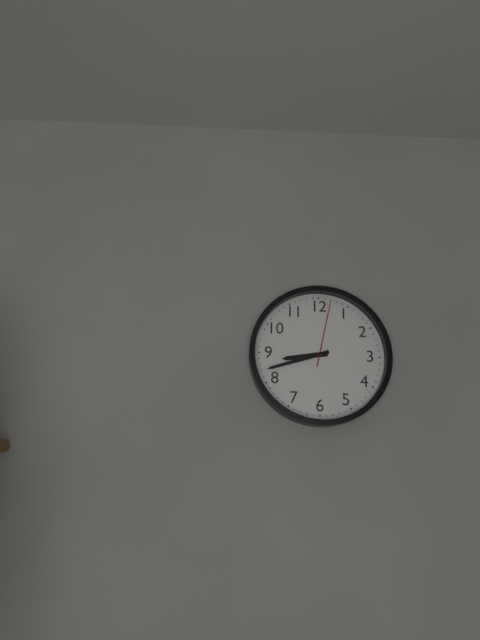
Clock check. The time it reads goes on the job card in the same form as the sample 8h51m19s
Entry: 8h42m02s
